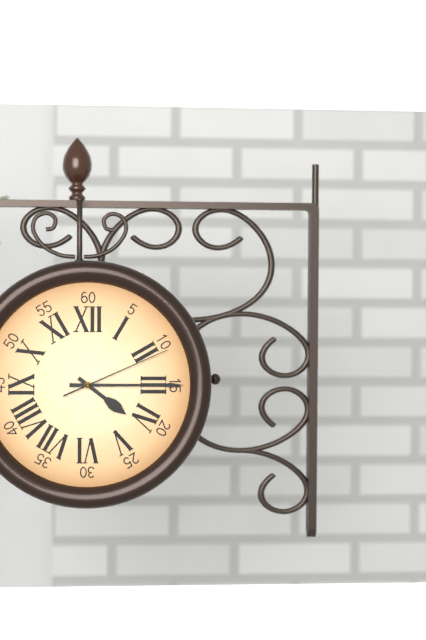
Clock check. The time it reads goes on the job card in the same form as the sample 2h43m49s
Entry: 4h15m11s
